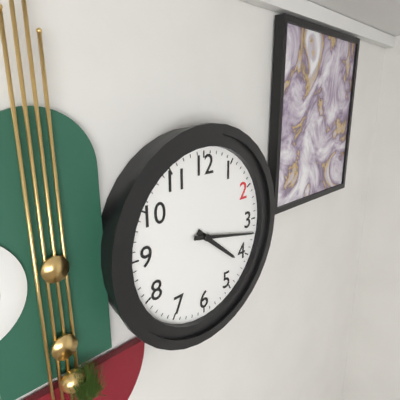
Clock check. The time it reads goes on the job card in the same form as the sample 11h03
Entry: 4h17
